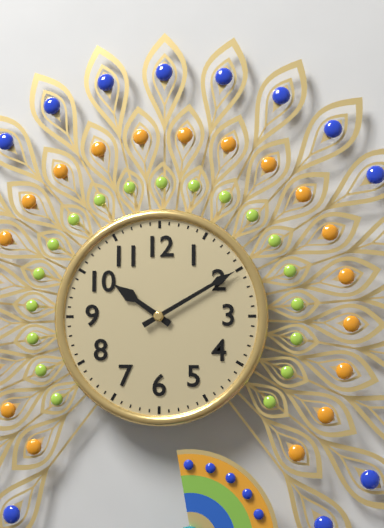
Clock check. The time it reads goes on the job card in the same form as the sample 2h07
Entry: 10h10
